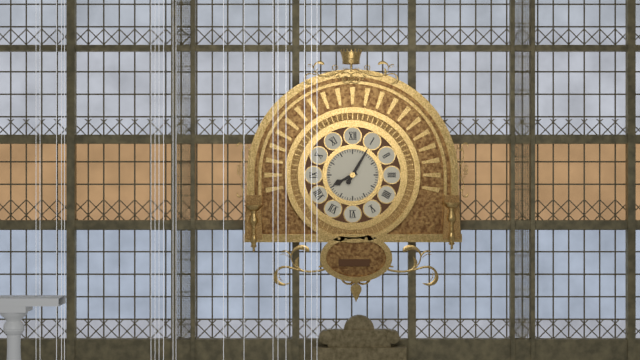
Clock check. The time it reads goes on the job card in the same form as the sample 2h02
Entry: 8h05
